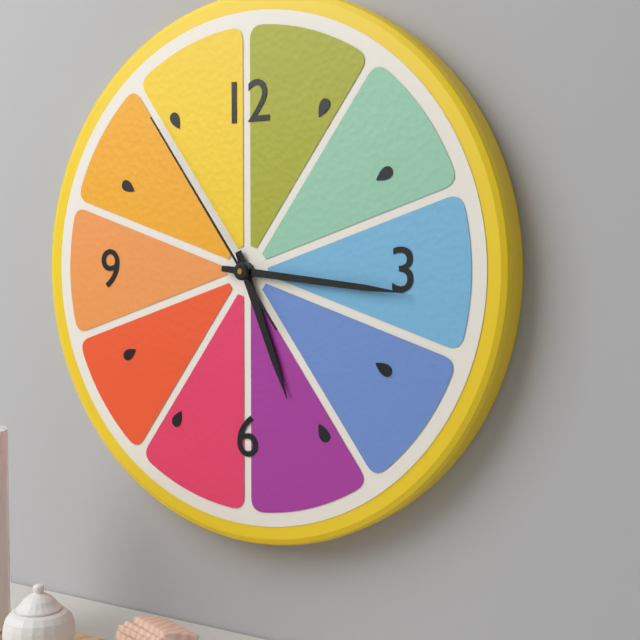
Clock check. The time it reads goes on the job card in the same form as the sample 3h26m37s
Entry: 5h16m54s
